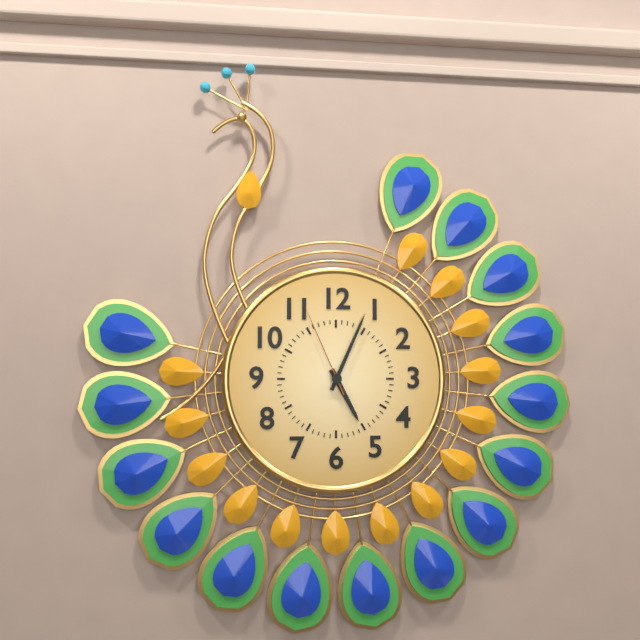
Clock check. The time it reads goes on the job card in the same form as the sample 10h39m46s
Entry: 5h04m56s
